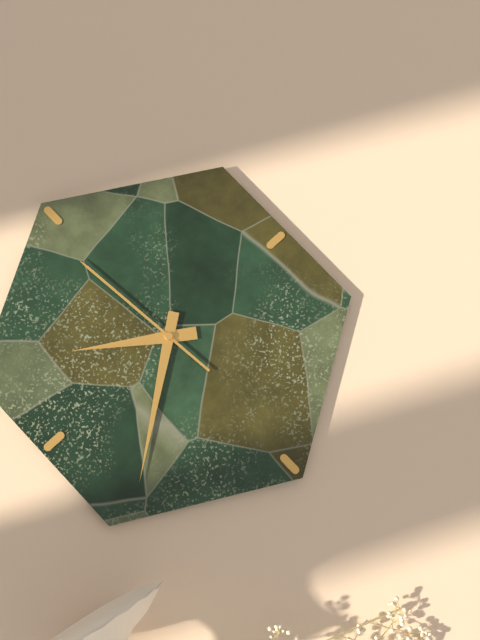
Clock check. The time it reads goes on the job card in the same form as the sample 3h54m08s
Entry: 4h09m29s
